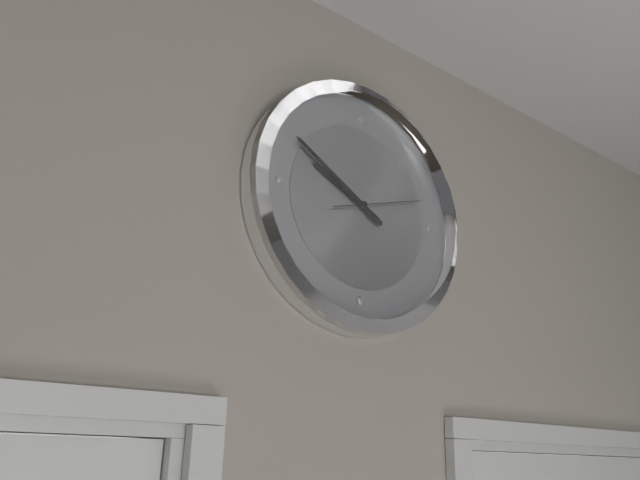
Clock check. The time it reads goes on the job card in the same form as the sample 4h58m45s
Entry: 9h50m12s
